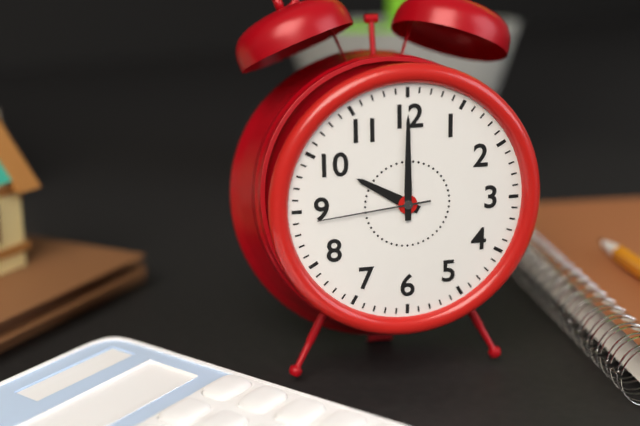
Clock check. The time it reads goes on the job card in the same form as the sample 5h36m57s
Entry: 10h00m44s
